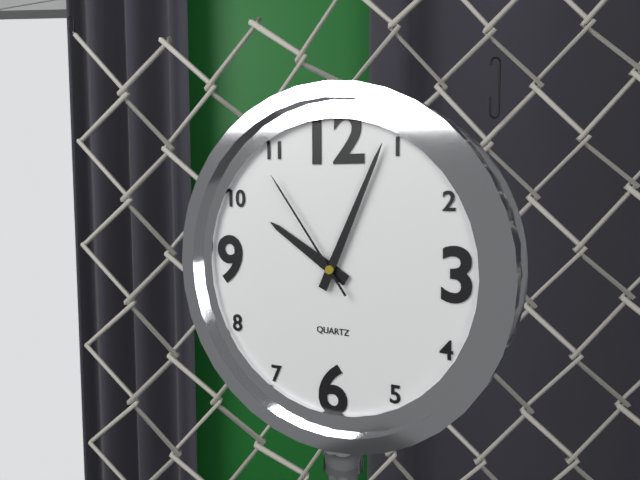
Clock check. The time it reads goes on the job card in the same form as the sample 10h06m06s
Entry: 10h04m54s
